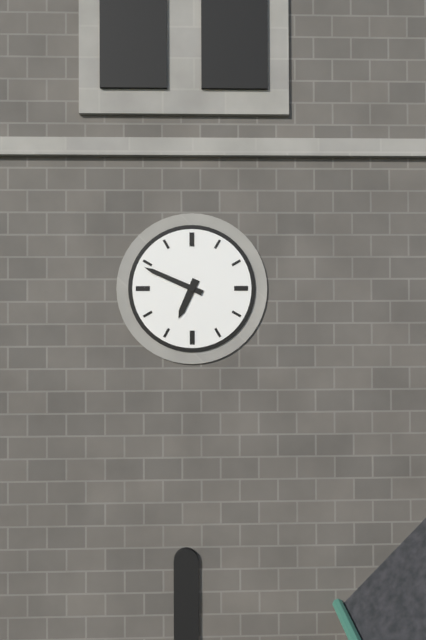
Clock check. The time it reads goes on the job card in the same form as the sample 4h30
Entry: 6h49
